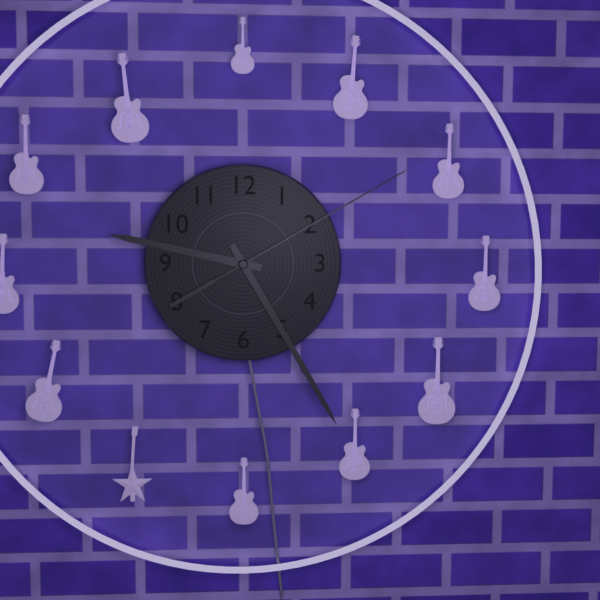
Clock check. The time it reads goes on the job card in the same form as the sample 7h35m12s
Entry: 9h25m10s
